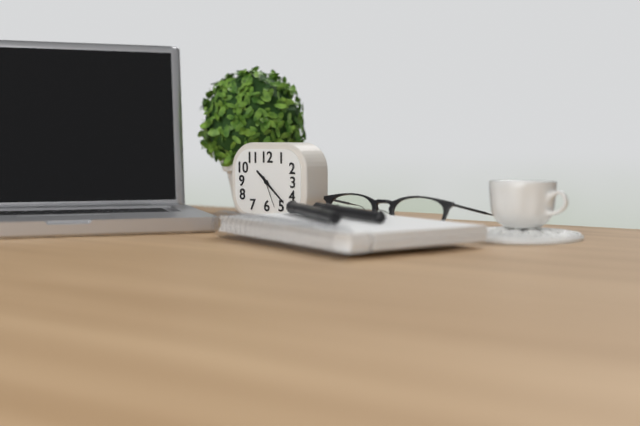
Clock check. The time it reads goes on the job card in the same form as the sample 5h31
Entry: 10h22
